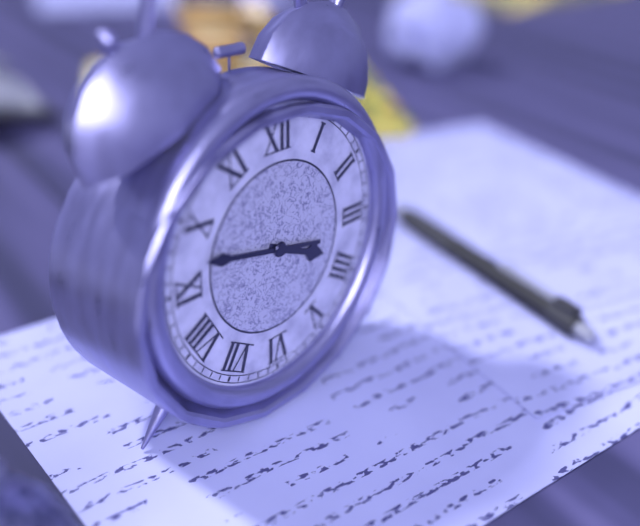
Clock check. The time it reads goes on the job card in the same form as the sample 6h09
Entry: 3h47
